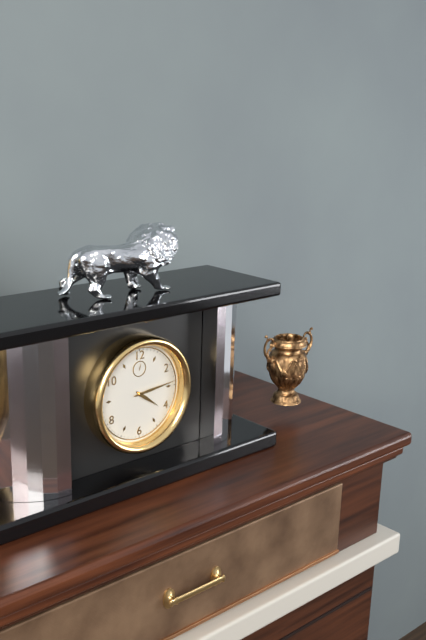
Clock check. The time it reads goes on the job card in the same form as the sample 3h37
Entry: 4h14
